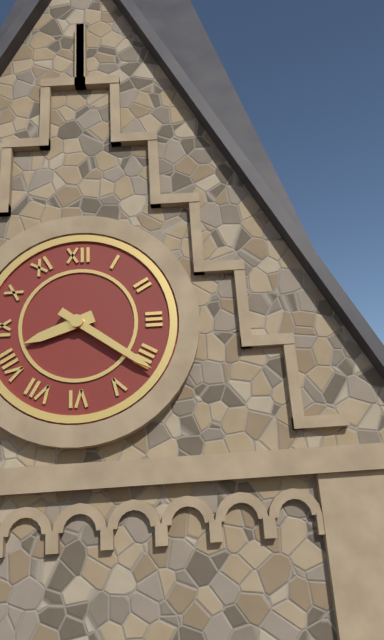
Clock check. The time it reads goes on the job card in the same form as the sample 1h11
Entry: 8h21
